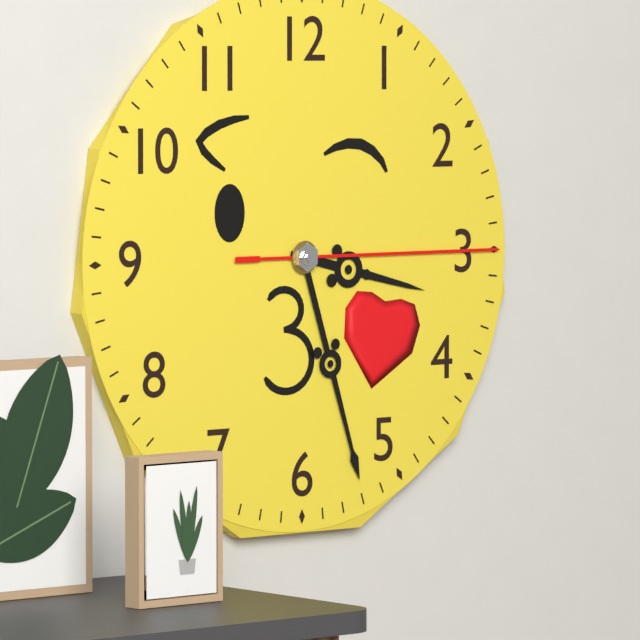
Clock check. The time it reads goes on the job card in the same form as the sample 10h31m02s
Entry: 3h27m15s
